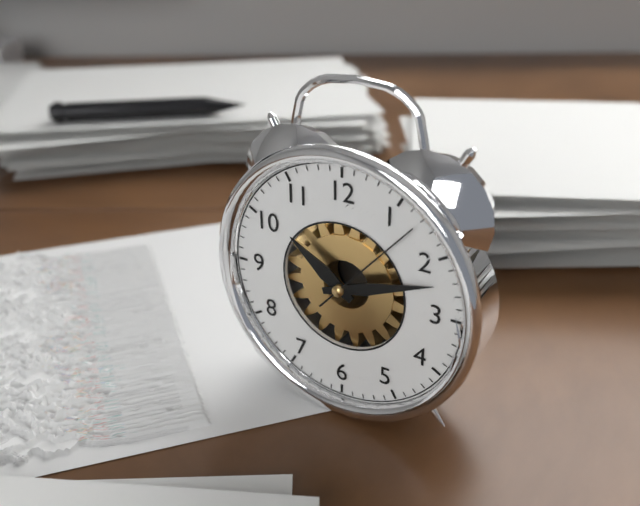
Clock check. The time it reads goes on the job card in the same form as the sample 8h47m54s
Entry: 10h12m07s
